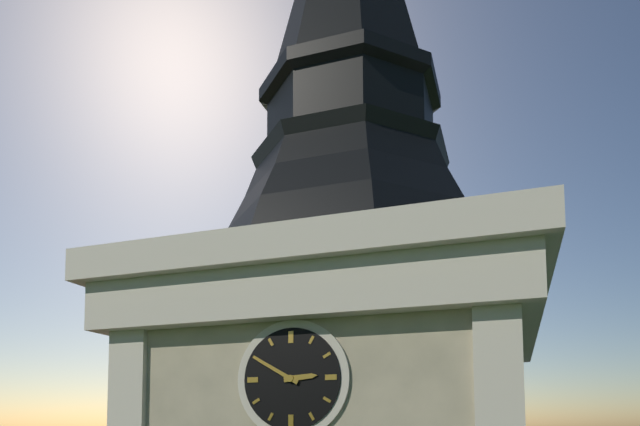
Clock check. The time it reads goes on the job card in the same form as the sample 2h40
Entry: 2h50
